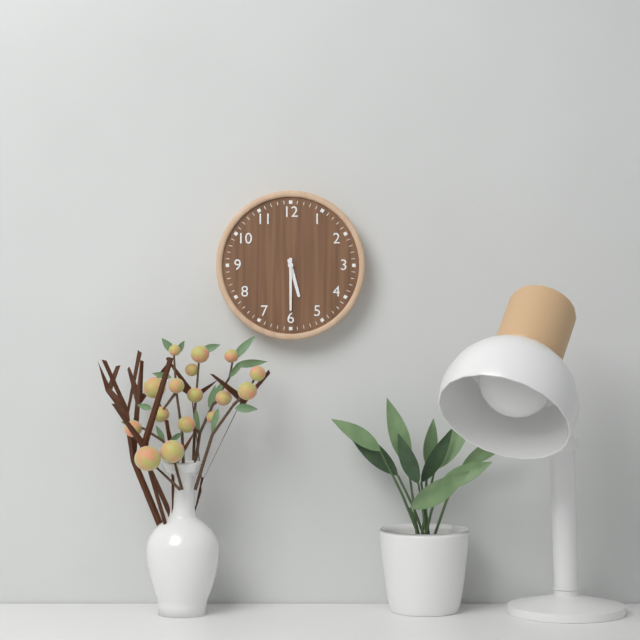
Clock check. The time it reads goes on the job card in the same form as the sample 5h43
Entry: 5h30
